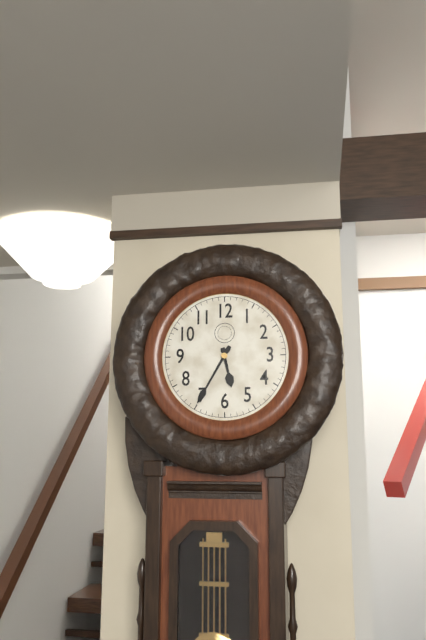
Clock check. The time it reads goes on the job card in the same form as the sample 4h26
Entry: 5h35
